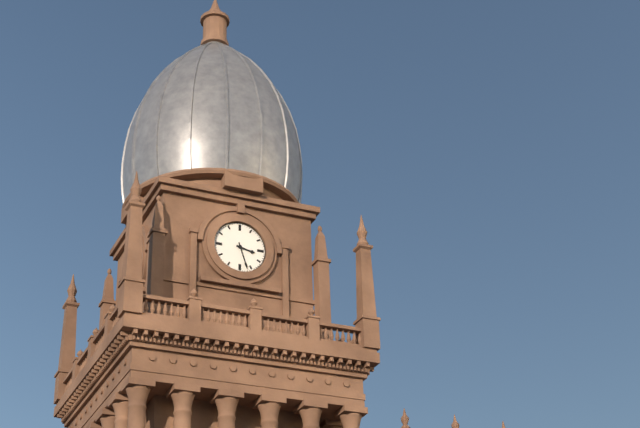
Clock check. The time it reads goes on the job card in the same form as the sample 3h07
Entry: 3h27
